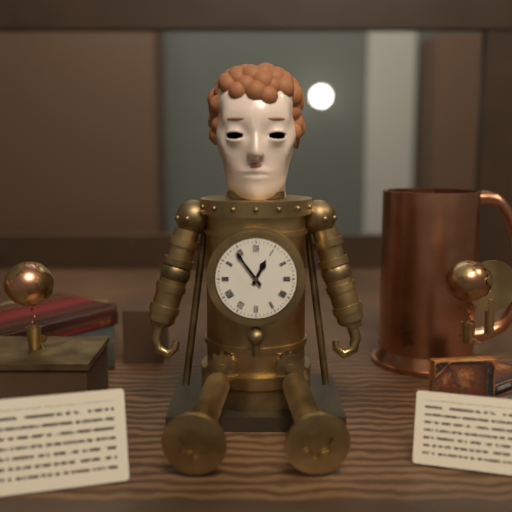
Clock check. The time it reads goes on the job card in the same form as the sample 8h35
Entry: 12h54
